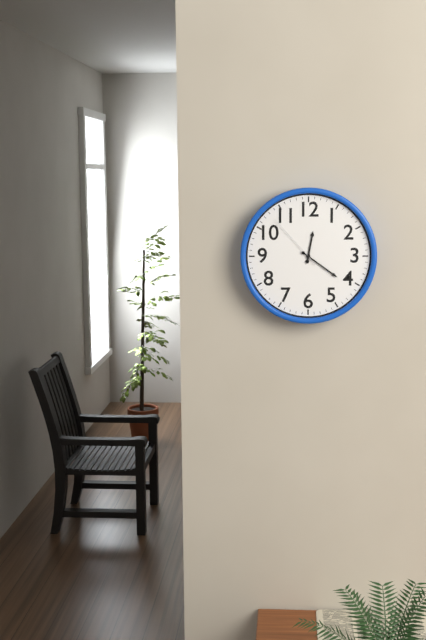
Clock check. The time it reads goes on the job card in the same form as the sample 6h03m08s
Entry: 12h21m53s
